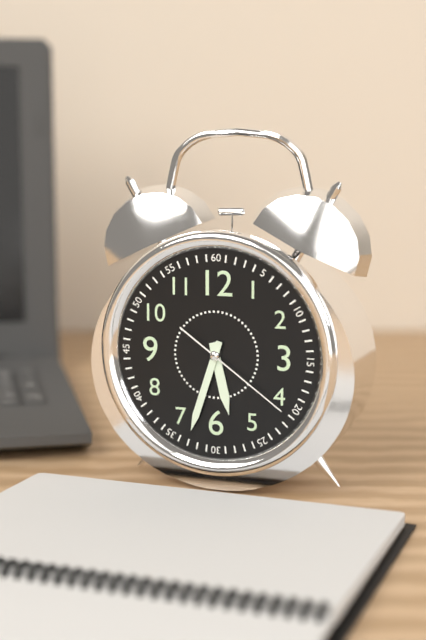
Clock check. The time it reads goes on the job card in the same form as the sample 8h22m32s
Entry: 5h33m21s
